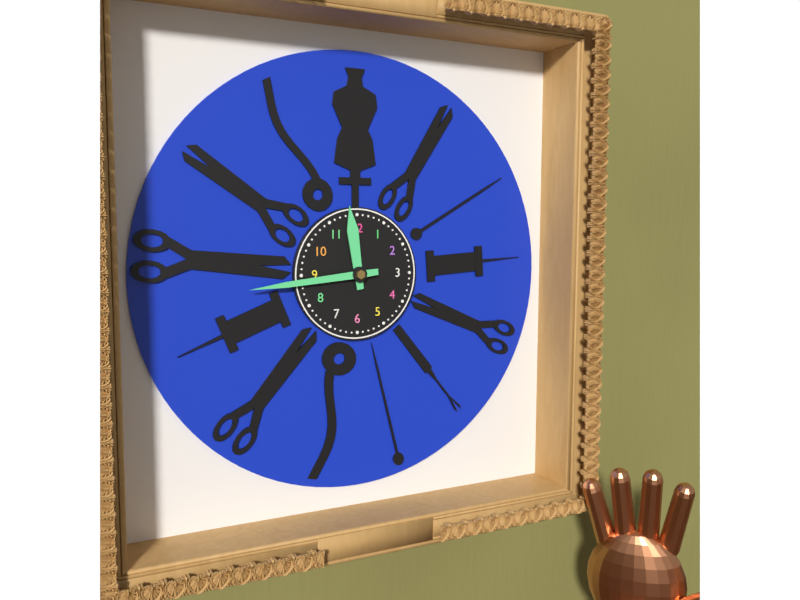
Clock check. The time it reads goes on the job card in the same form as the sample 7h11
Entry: 11h44
